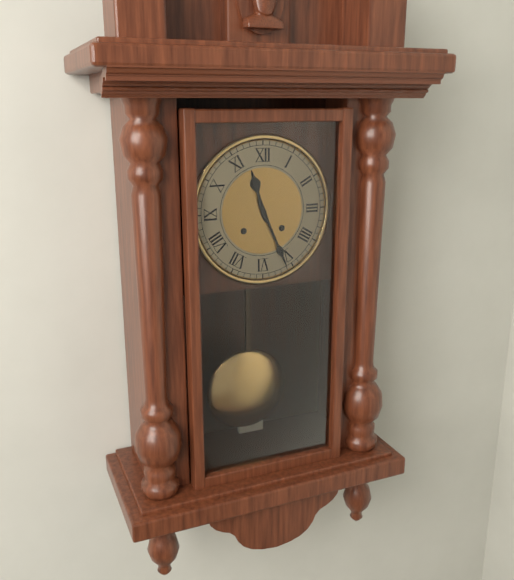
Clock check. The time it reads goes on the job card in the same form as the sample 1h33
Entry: 11h26
